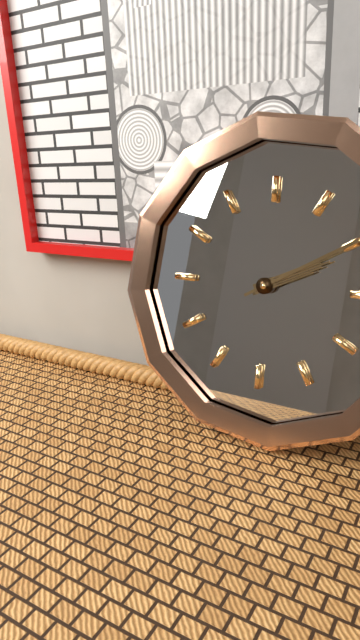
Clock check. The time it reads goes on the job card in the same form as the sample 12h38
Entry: 2h10
